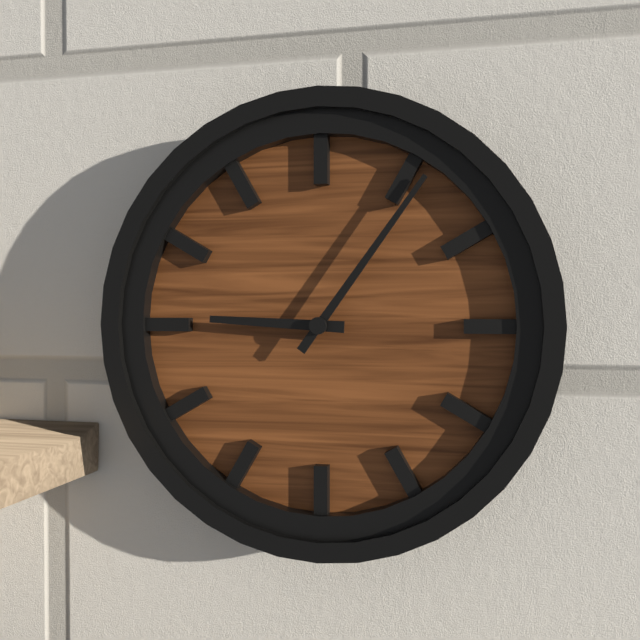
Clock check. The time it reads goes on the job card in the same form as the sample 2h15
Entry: 9h06
